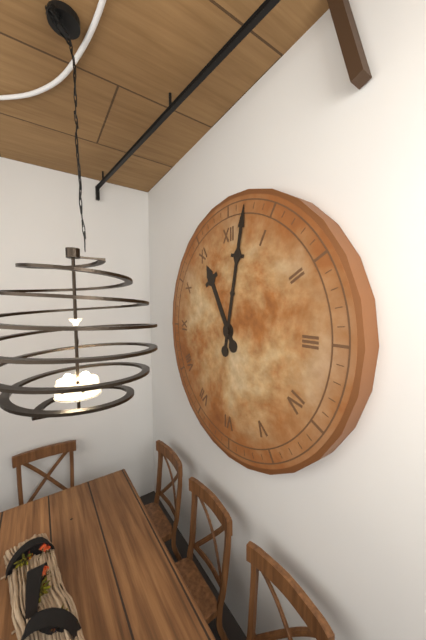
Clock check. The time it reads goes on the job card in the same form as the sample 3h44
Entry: 11h02
